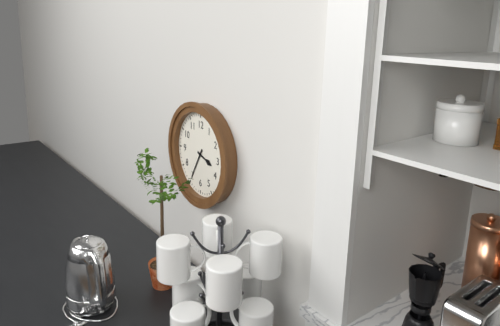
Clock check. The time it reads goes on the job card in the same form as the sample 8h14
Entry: 3h35
